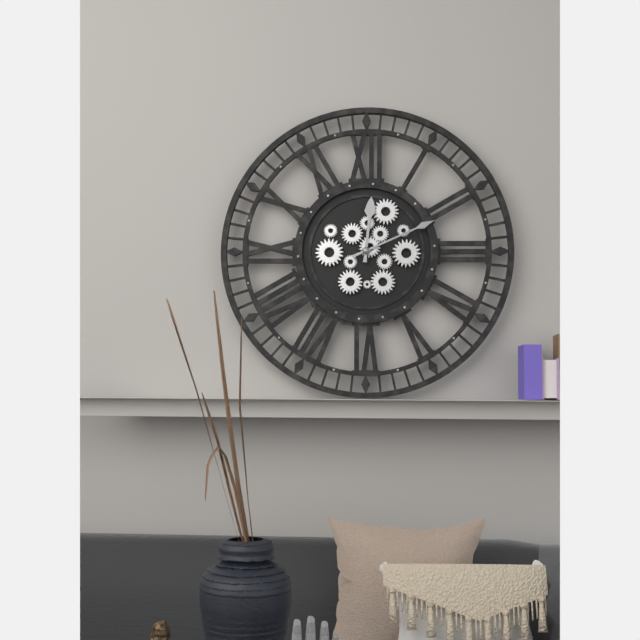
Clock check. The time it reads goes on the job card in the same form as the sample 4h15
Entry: 12h11
